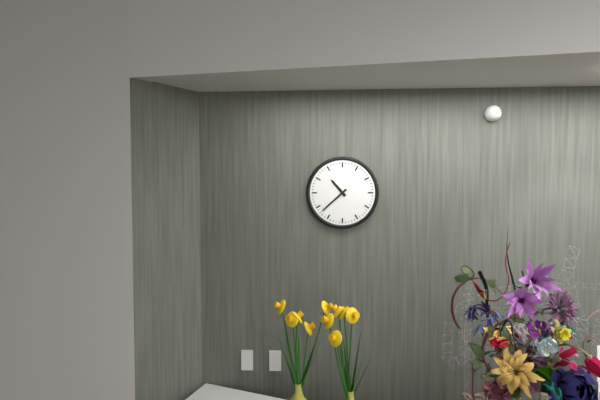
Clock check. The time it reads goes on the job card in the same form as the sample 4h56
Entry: 10h38
